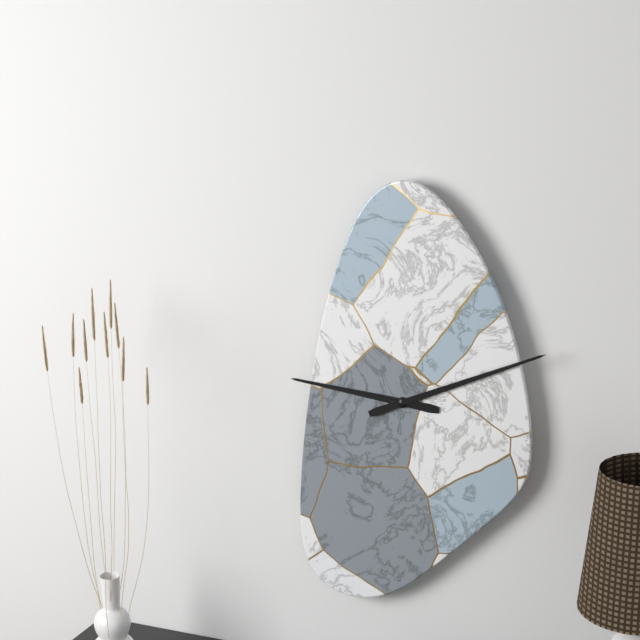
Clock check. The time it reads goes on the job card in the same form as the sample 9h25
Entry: 9h11
